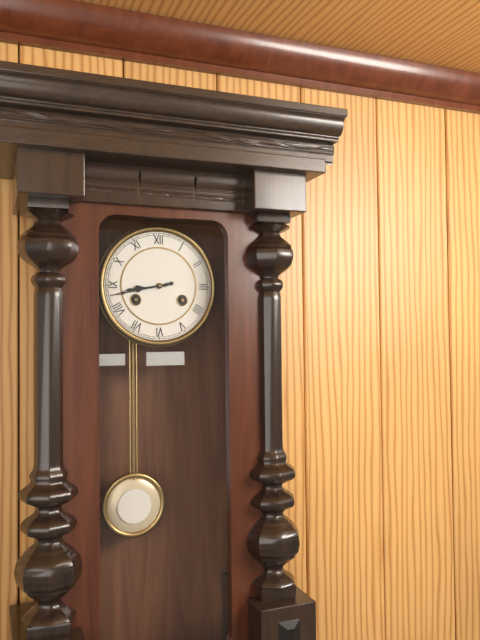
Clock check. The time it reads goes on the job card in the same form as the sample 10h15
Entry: 8h43
